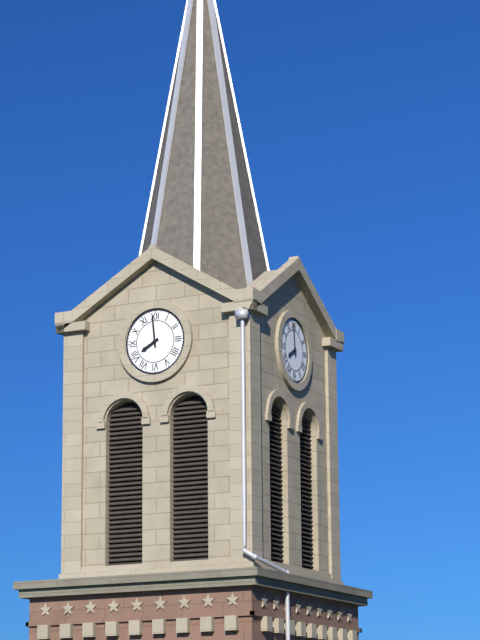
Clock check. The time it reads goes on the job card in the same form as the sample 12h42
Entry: 7h59
